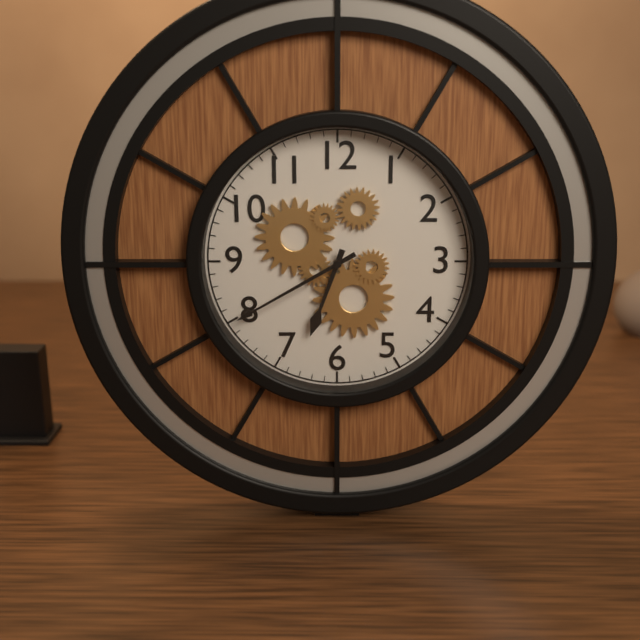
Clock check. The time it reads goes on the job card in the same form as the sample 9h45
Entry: 6h40
